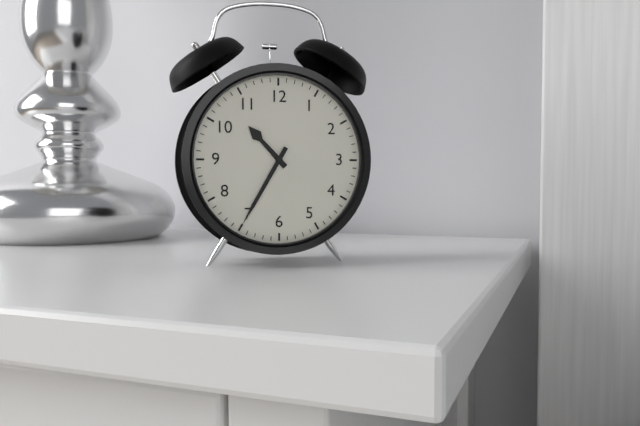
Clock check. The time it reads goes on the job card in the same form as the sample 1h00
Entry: 10h35
